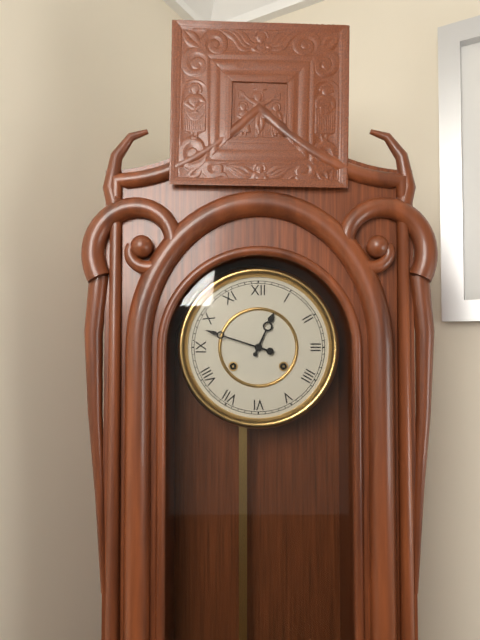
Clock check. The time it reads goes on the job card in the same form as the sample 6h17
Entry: 12h48
